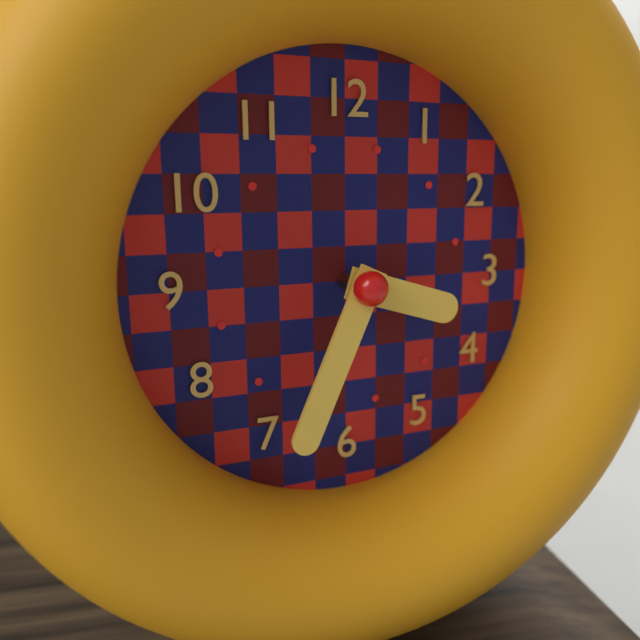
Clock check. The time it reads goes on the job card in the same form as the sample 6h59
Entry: 3h34
